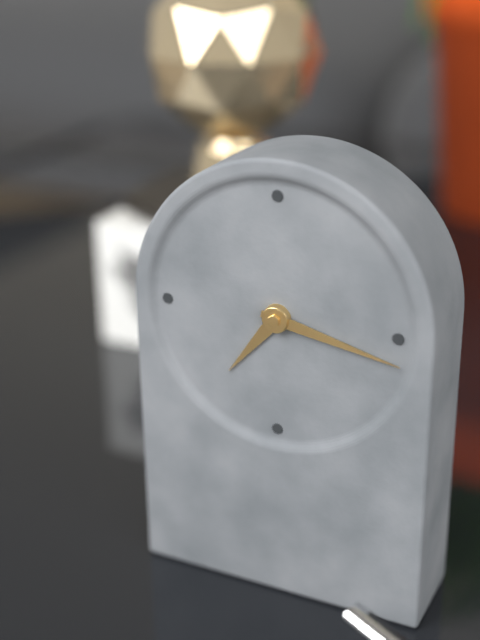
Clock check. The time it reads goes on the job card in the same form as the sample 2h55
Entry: 7h17
